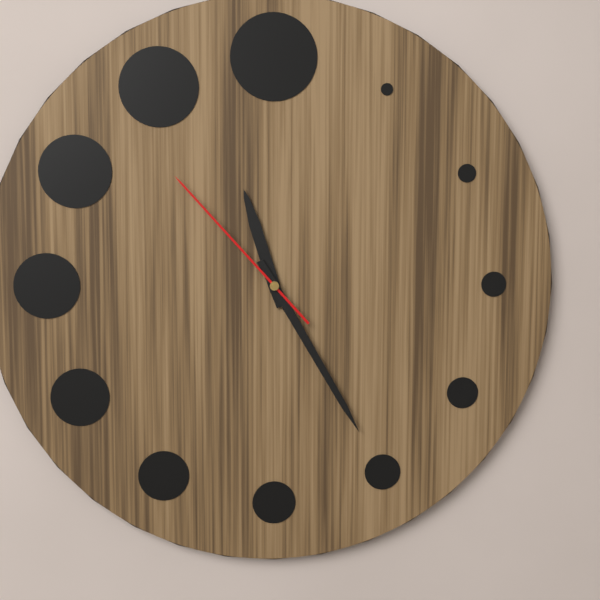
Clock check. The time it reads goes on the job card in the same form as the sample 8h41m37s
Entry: 11h25m53s
